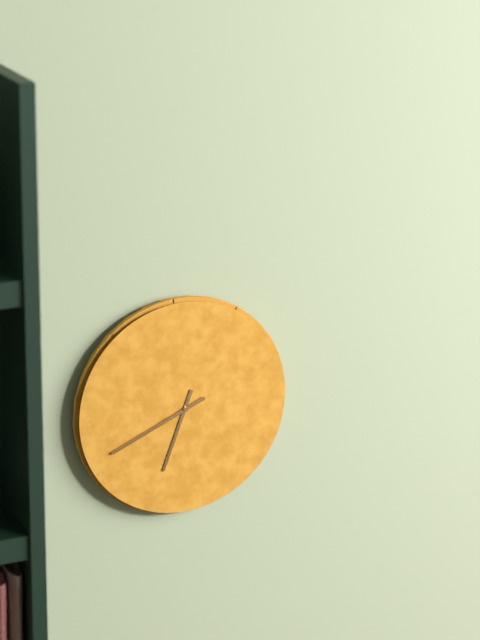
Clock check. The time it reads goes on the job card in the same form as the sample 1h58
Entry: 6h41
